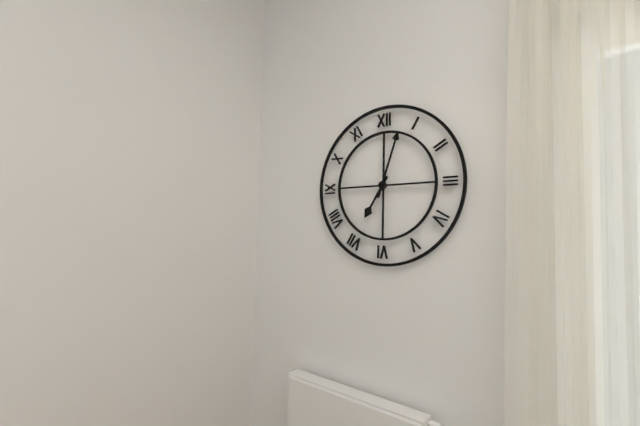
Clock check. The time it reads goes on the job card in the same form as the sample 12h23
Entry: 7h03
